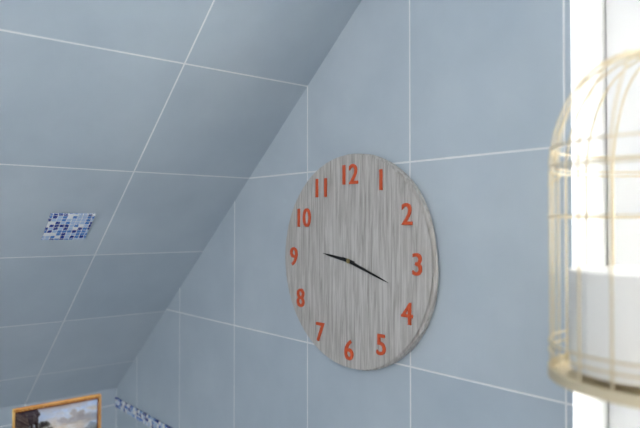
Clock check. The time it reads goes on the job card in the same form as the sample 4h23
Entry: 9h18
